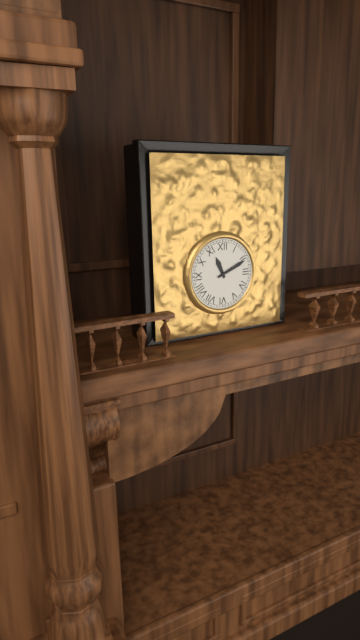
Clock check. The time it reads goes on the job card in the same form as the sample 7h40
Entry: 11h11
